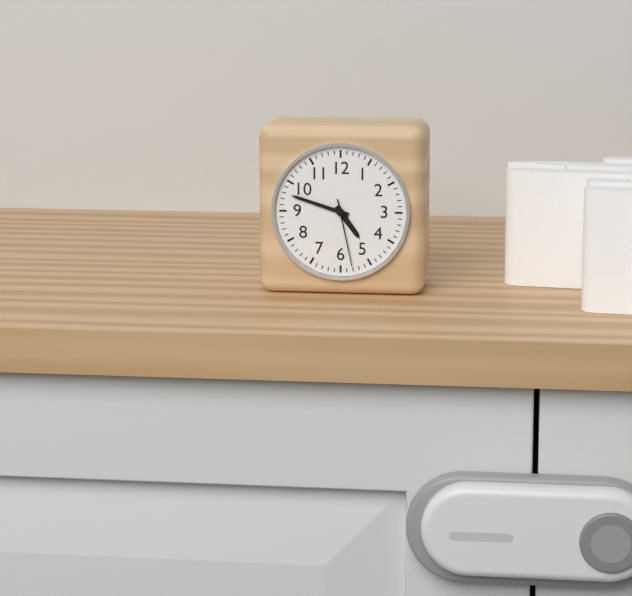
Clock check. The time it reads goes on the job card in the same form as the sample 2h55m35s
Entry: 4h48m28s
